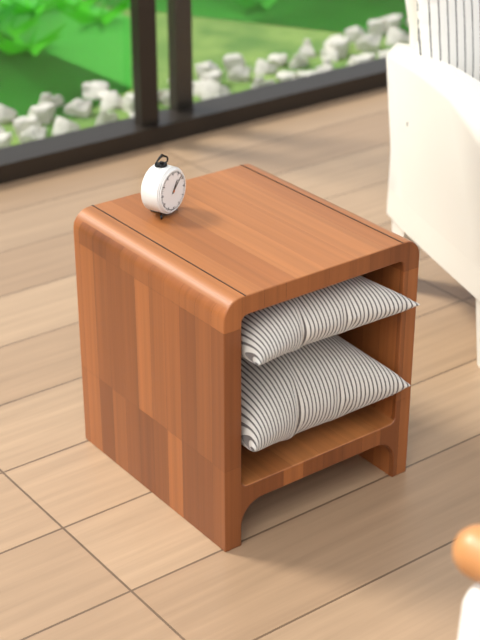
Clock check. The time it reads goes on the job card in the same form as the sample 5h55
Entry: 1h08
